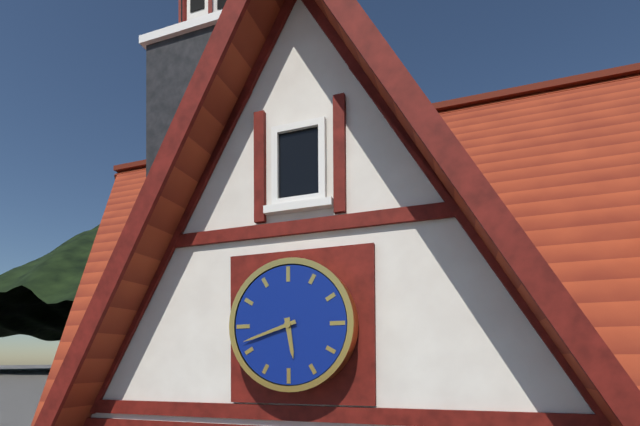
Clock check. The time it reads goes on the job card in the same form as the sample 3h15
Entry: 5h42
